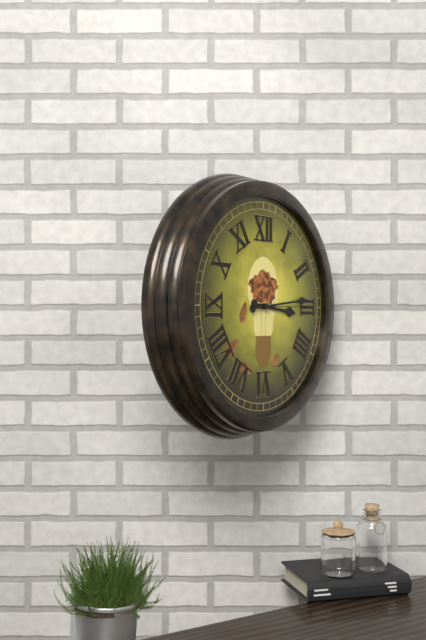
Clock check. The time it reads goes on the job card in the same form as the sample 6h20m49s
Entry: 3h14m15s
